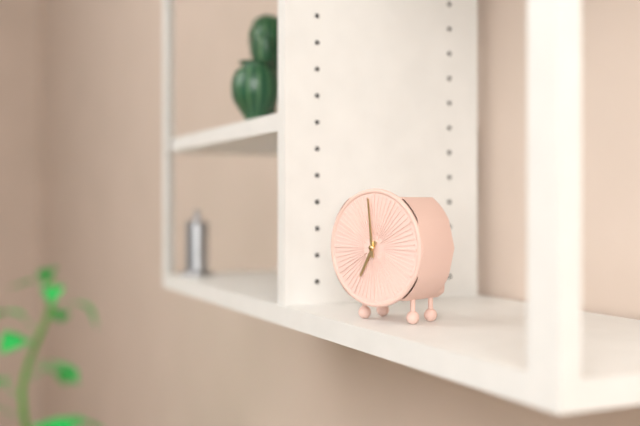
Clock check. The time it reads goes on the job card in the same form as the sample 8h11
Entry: 6h59
